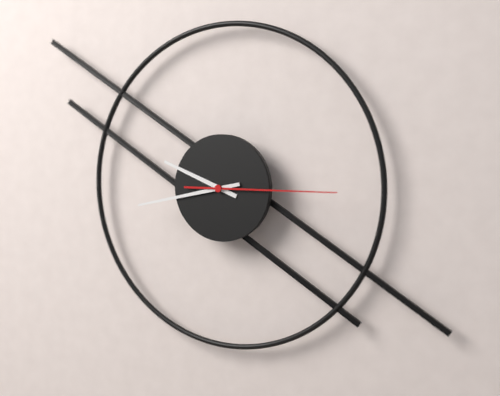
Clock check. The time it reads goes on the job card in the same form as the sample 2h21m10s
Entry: 9h43m15s
